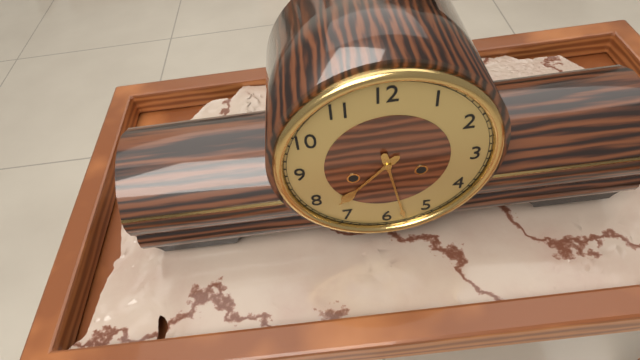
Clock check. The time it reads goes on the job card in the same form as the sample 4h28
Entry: 7h28
